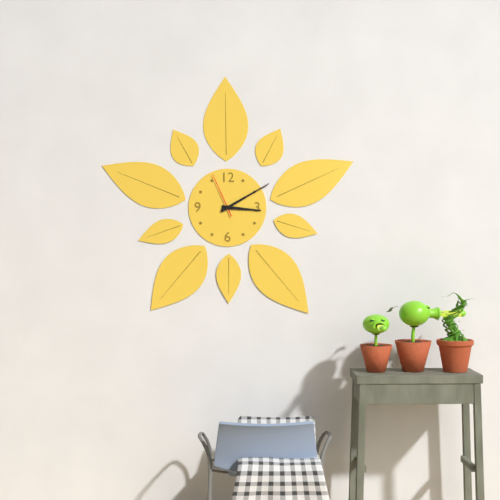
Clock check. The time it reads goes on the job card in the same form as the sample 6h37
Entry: 3h10
